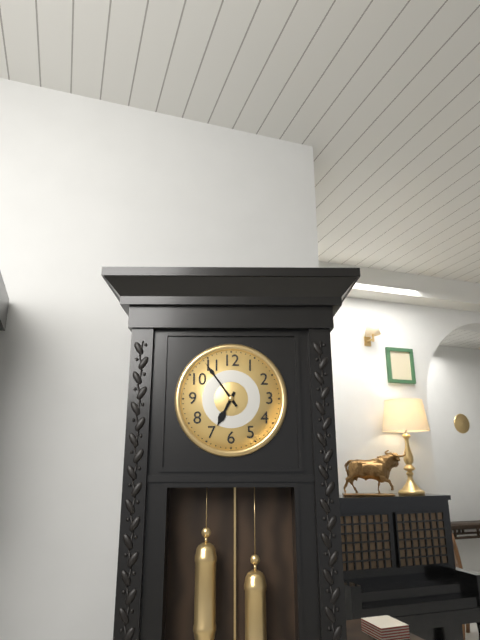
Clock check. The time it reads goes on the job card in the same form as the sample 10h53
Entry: 6h54
